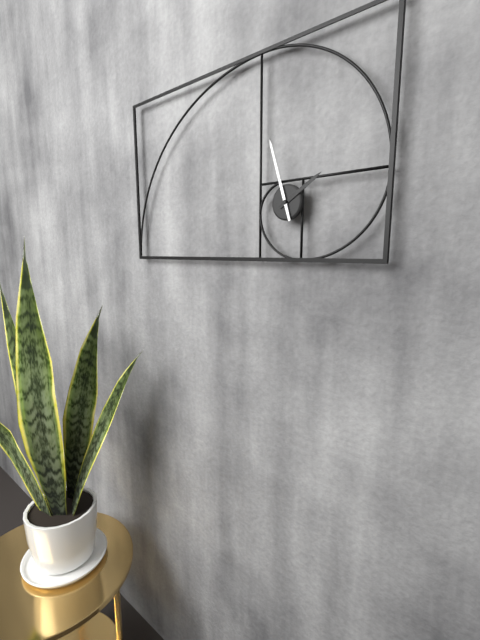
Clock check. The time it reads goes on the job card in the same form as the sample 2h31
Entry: 1h57
